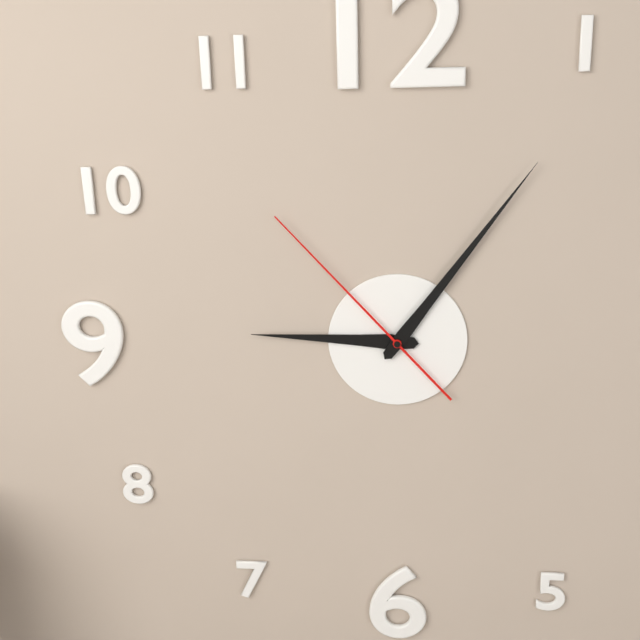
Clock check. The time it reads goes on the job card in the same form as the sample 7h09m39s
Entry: 9h06m53s
